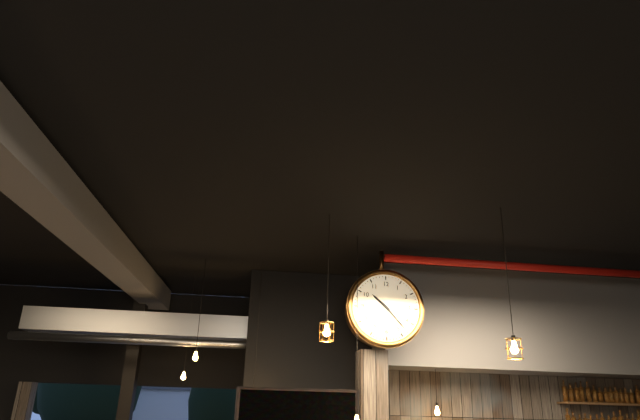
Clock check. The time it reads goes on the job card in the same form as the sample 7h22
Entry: 10h23
